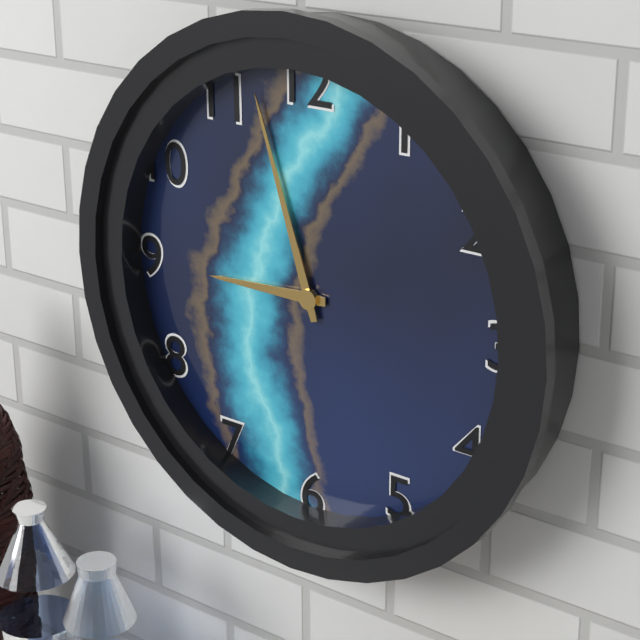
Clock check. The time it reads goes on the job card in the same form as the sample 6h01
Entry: 8h57
